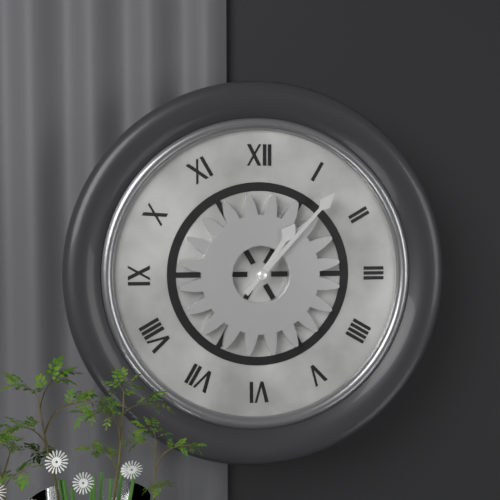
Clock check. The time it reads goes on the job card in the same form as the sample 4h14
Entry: 1h07
